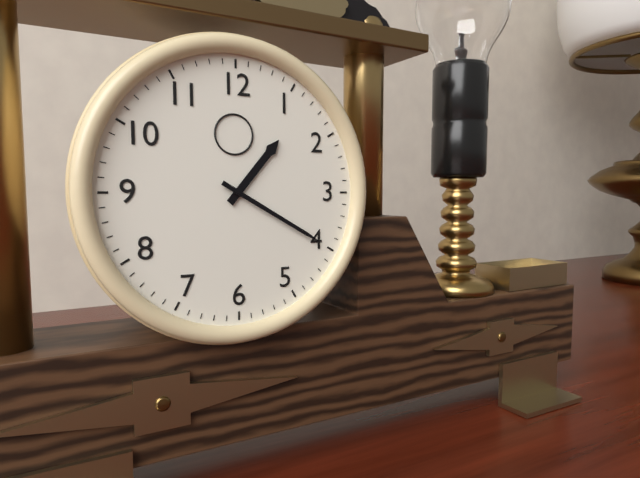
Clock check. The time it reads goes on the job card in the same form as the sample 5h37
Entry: 1h20
